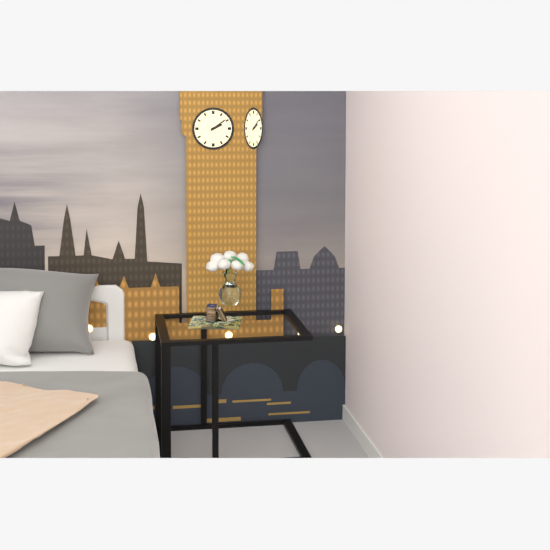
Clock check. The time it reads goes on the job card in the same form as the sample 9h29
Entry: 2h09
